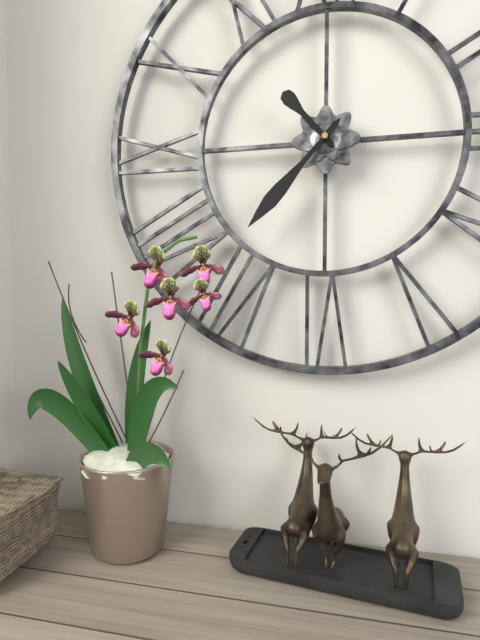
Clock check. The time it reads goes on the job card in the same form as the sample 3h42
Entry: 10h37
